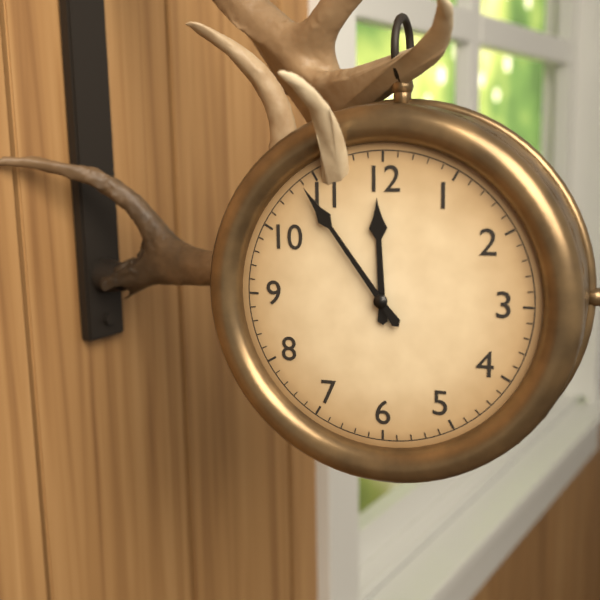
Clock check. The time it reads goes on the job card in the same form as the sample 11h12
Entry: 11h54
